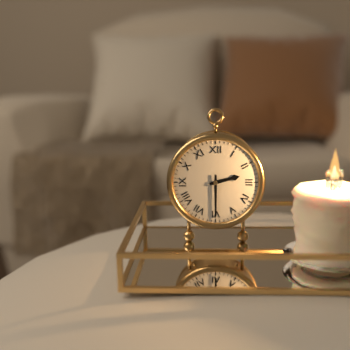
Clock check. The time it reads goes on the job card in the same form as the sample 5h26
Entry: 2h30
